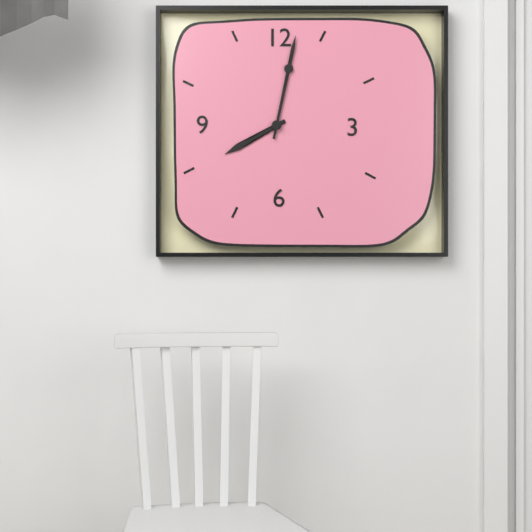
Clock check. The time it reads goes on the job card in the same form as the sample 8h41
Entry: 8h02
